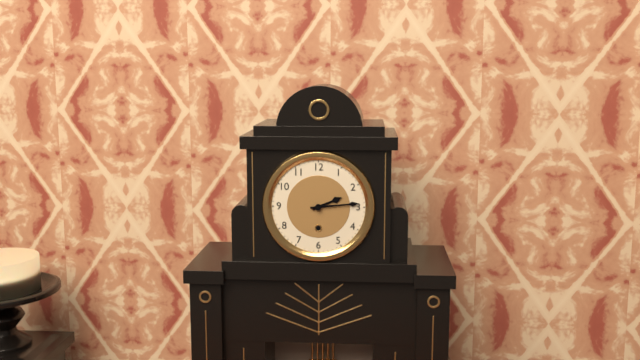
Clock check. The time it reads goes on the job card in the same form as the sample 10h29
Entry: 2h14
